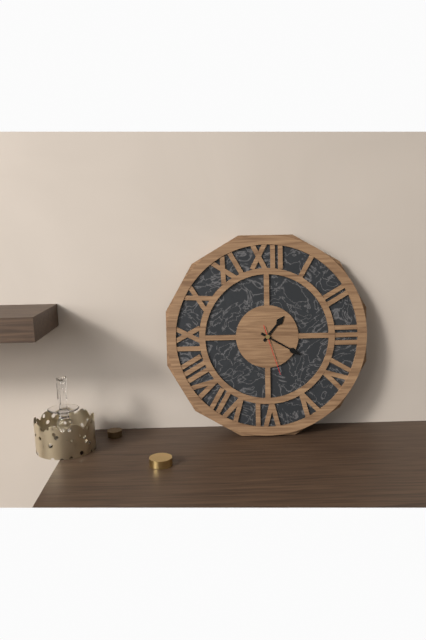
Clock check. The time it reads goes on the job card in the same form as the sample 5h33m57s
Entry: 1h20m27s
